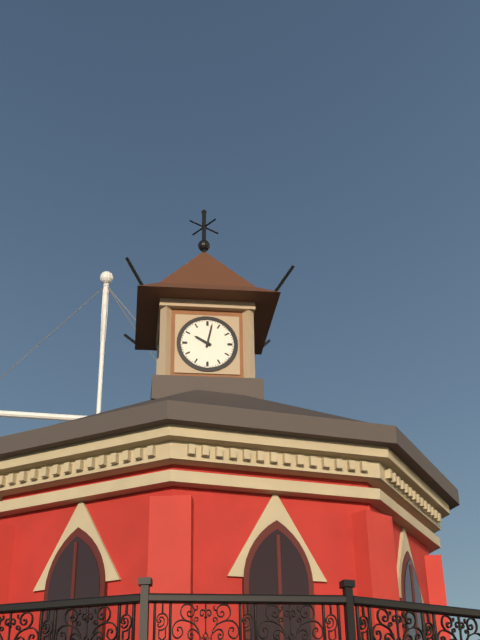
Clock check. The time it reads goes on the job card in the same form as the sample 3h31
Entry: 10h02
